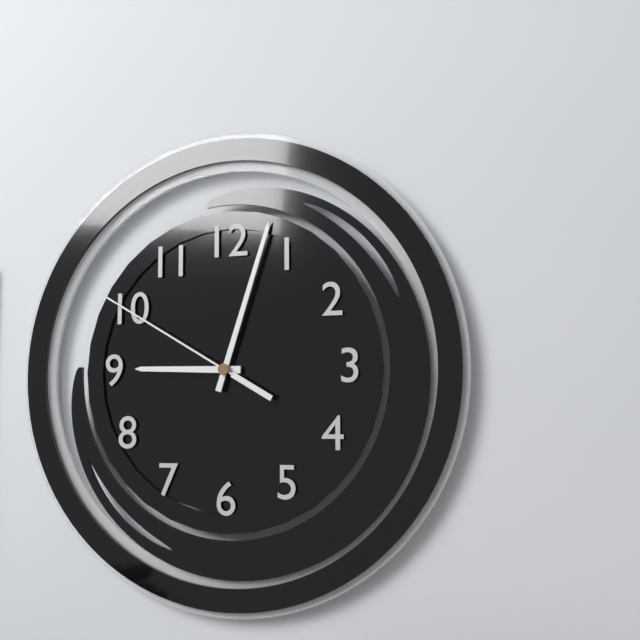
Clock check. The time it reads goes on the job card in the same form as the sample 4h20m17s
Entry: 9h03m50s
